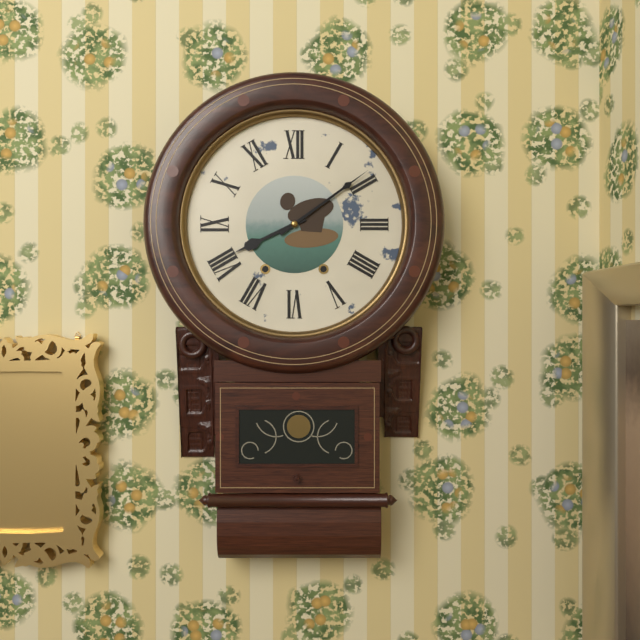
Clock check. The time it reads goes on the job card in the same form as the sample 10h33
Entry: 8h09
